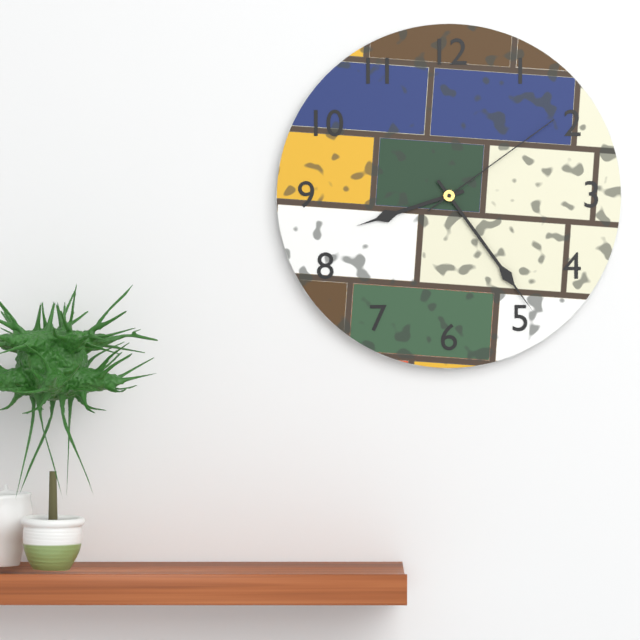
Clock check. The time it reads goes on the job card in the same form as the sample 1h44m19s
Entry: 8h24m09s
